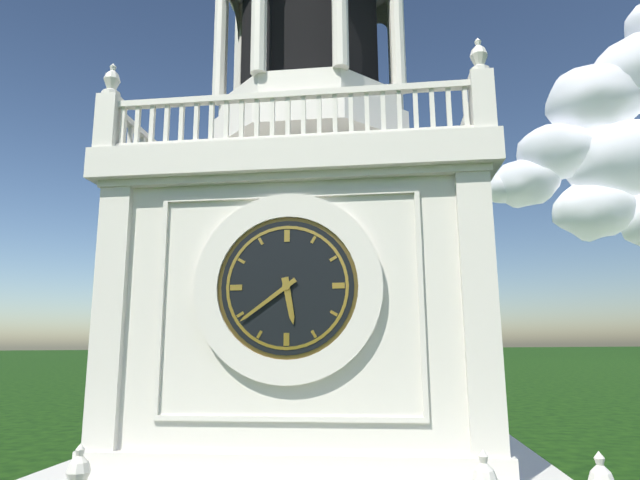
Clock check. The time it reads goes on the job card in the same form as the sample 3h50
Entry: 5h39
